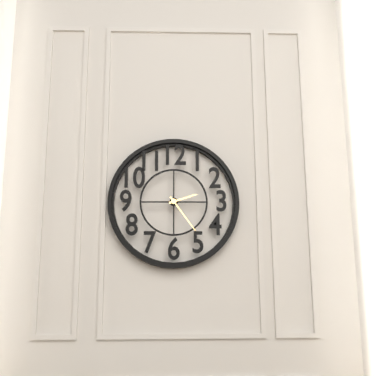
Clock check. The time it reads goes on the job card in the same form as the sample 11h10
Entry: 2h24
